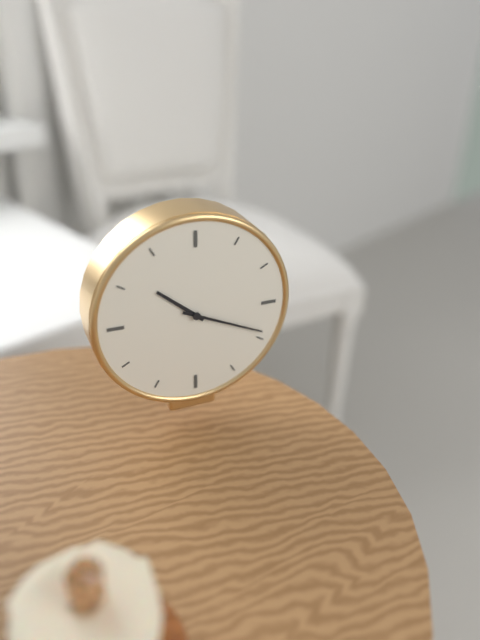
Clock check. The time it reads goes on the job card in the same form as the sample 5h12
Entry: 10h19
